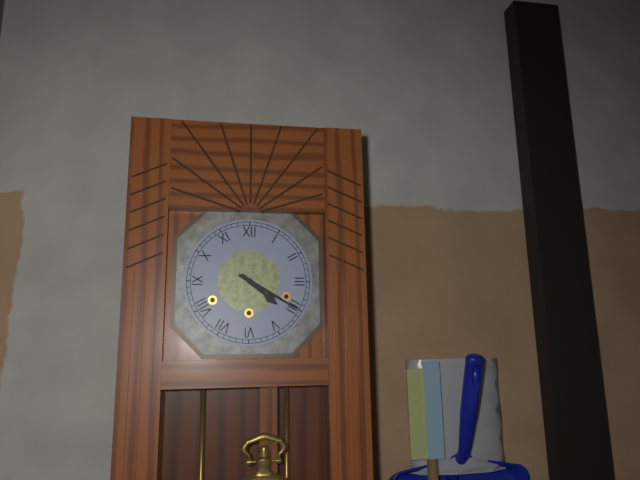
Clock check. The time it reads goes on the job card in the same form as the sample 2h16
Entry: 4h20
